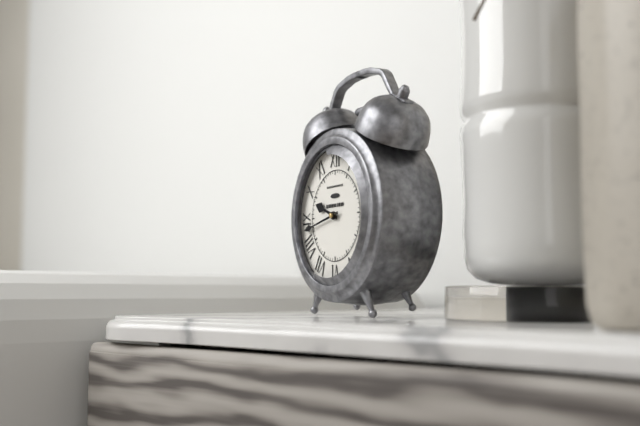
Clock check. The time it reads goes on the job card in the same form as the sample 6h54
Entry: 9h43
